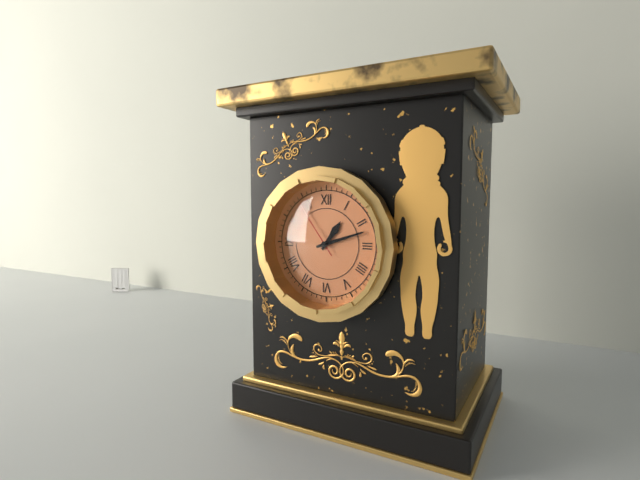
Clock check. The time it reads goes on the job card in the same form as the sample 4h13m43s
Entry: 1h12m54s
